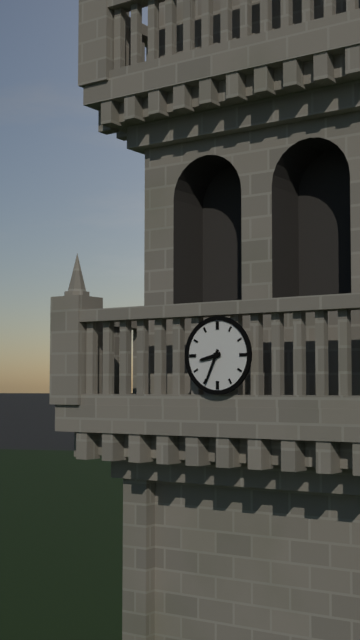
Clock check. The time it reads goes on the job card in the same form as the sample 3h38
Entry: 8h34
